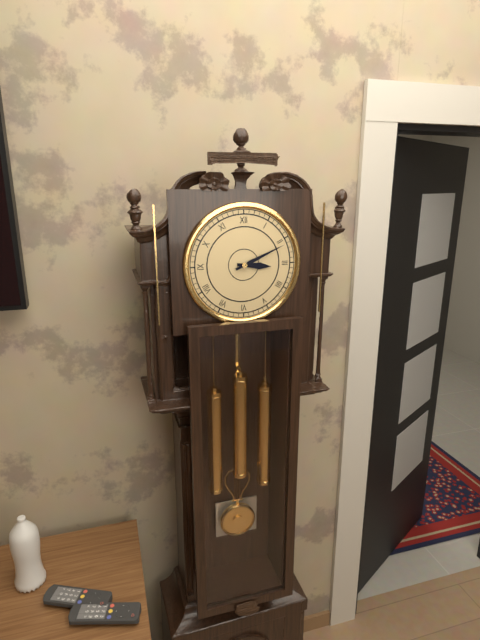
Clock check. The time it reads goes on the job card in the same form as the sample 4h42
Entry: 3h11
